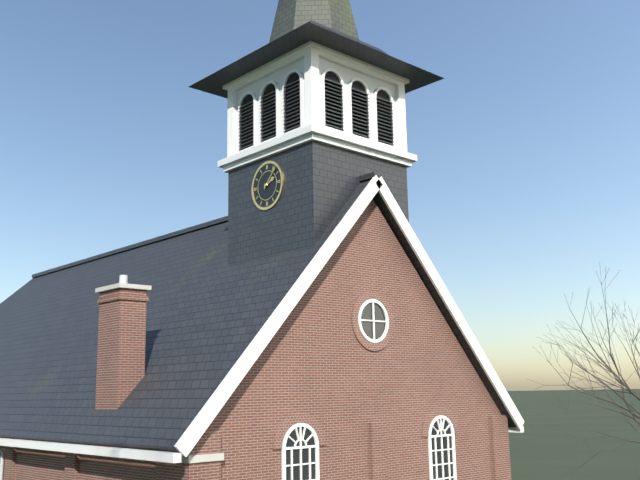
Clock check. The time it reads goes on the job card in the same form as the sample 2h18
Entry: 2h07
